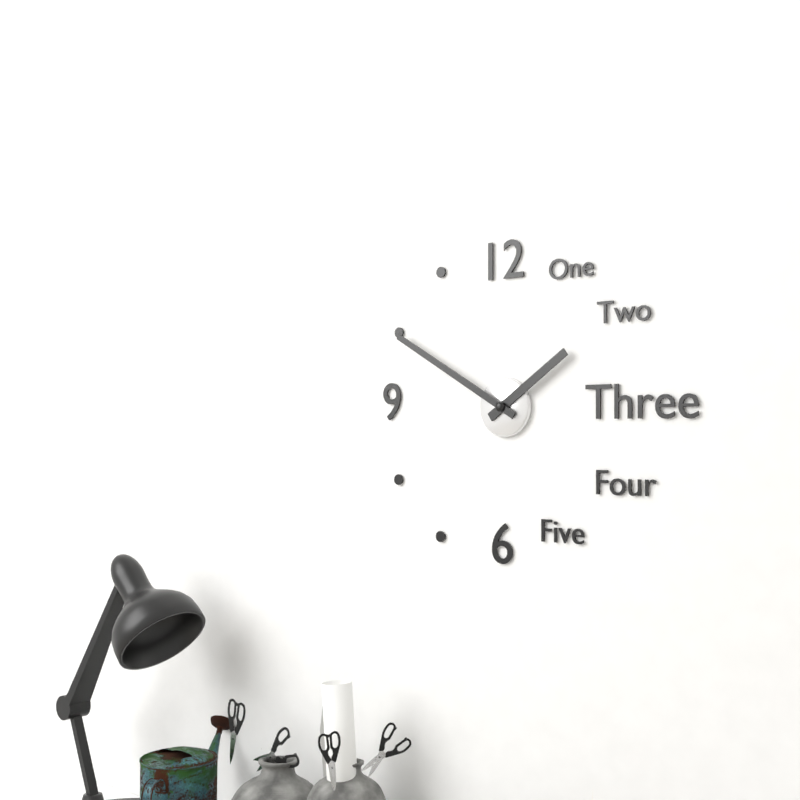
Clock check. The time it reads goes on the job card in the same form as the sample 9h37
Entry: 1h50
